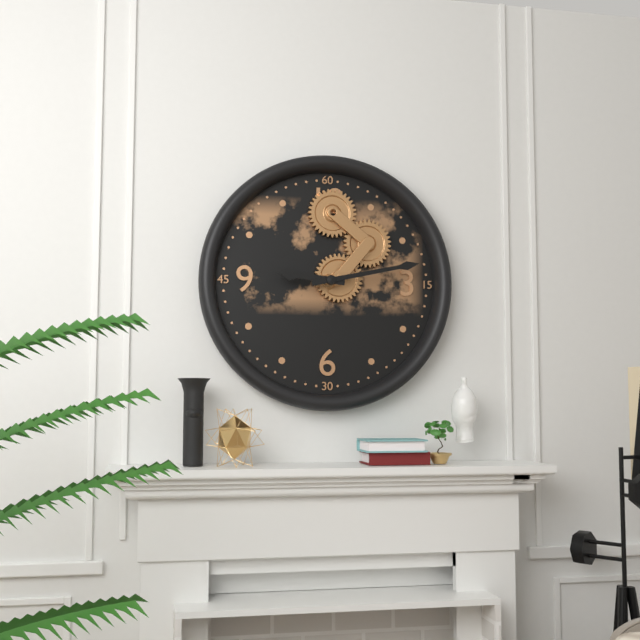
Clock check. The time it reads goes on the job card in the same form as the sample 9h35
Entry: 9h13
